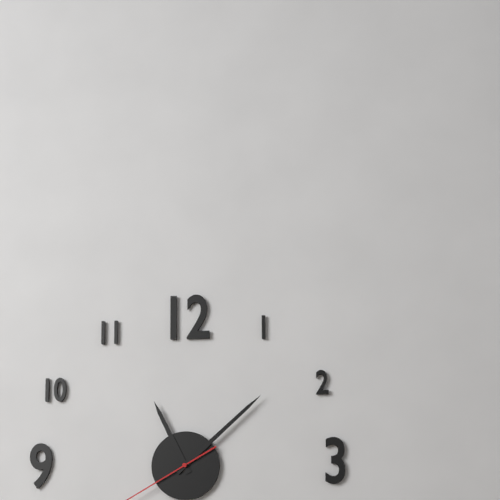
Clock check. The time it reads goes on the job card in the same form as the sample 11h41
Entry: 11h08
